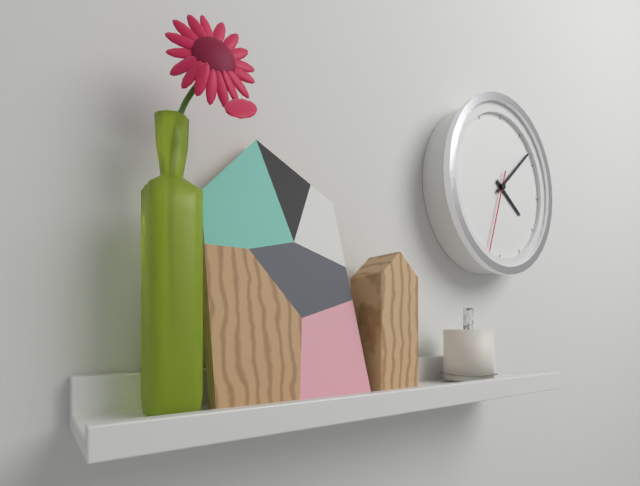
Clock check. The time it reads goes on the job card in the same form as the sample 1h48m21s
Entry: 4h08m33s
